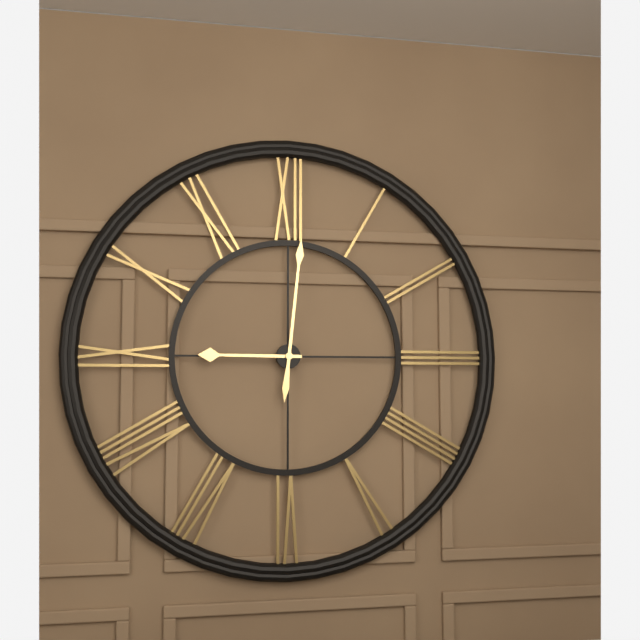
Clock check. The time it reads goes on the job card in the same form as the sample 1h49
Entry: 9h01
